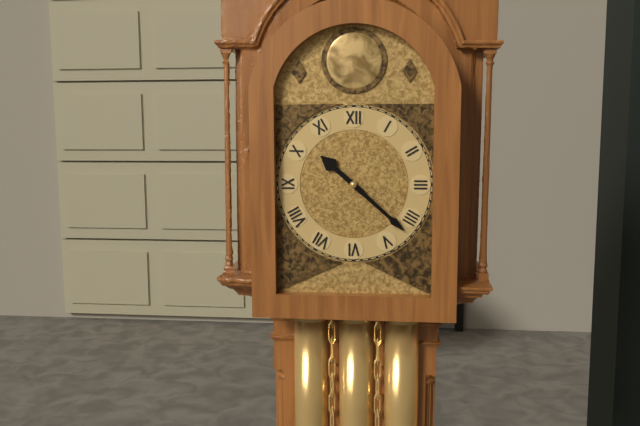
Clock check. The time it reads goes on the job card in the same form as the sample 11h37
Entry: 10h22
